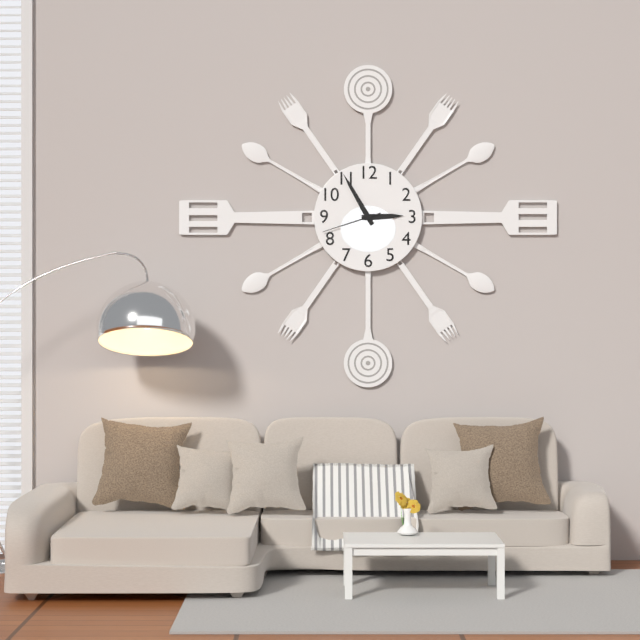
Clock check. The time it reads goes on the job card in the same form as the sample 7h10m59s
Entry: 2h55m42s
